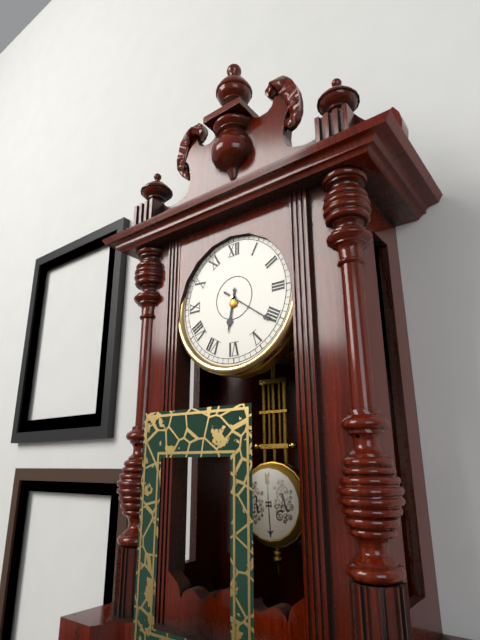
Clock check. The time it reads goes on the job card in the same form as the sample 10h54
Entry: 6h21
